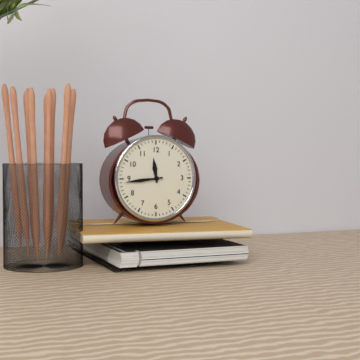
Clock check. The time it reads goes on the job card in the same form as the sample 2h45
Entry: 11h44
